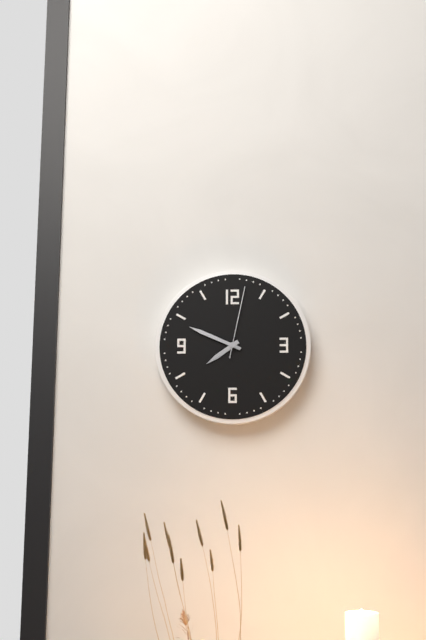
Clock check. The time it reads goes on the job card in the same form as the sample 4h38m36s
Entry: 7h49m02s
